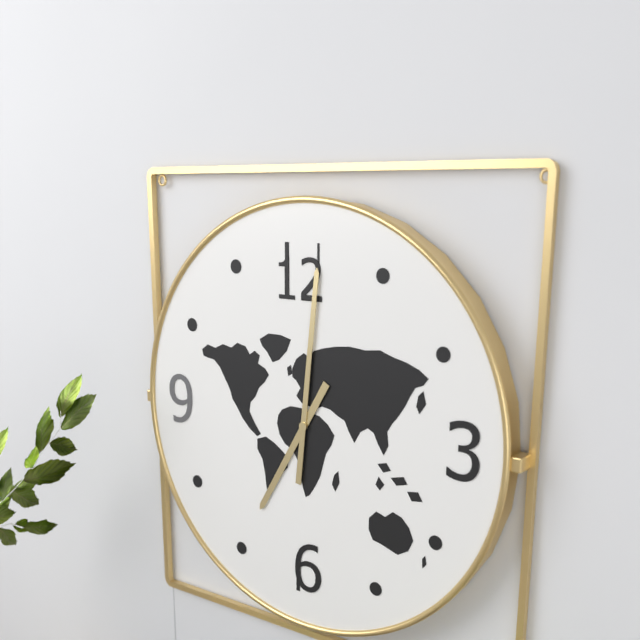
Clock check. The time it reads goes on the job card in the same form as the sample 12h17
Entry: 7h01
